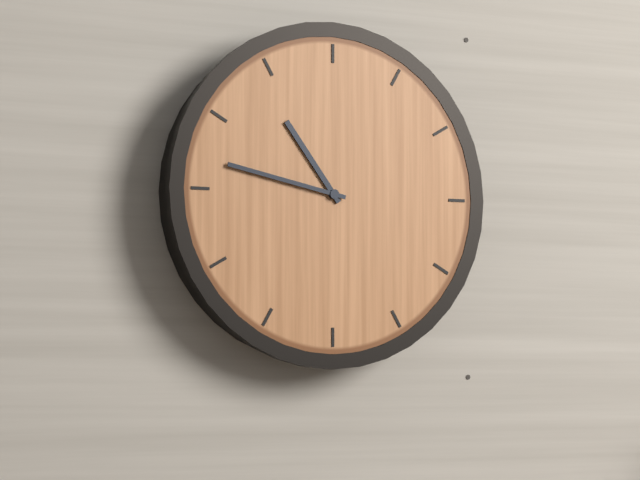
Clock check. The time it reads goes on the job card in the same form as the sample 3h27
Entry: 10h47
